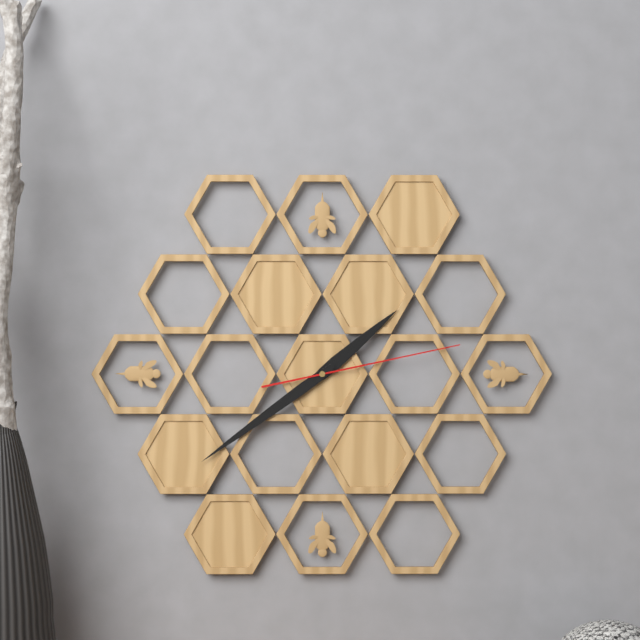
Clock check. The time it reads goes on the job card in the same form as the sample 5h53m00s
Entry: 1h39m13s
